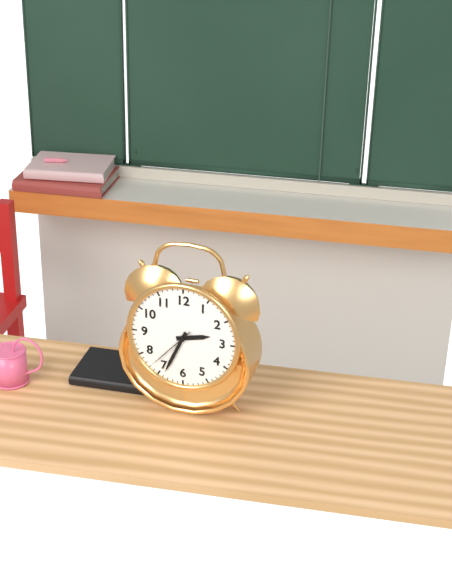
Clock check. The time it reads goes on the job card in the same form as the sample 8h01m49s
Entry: 2h34m37s
